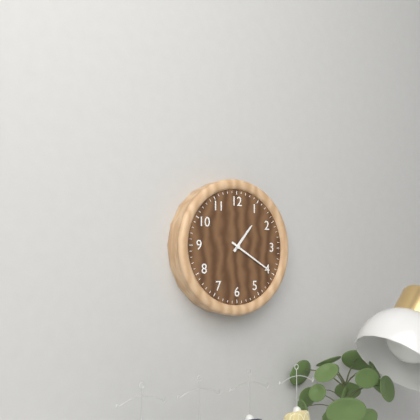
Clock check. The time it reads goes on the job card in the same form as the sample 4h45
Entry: 1h20
